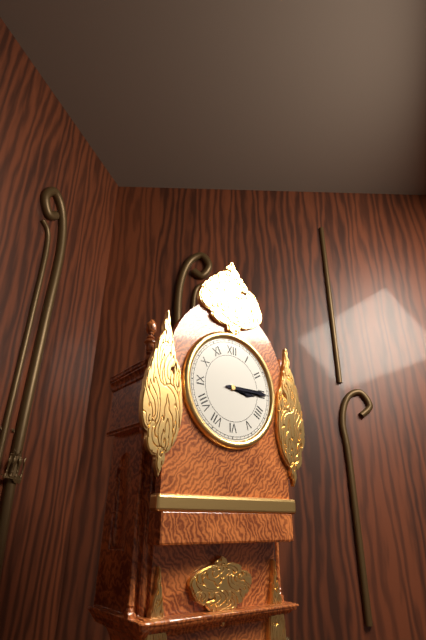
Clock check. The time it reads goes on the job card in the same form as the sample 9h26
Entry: 3h15
